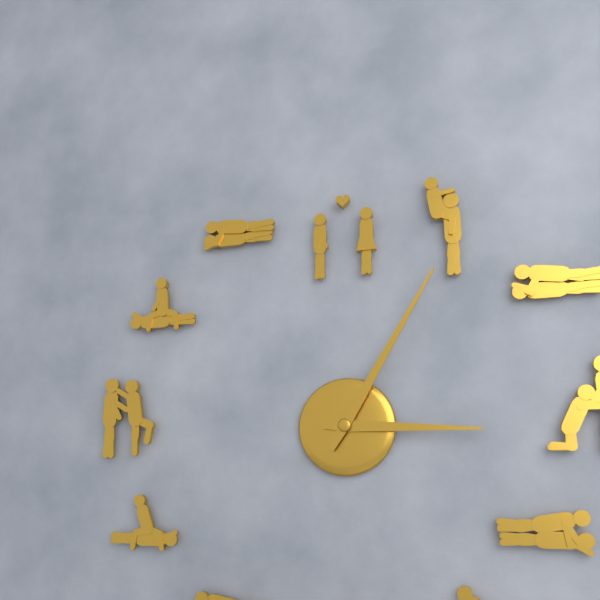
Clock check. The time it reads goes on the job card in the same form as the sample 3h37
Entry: 3h05
